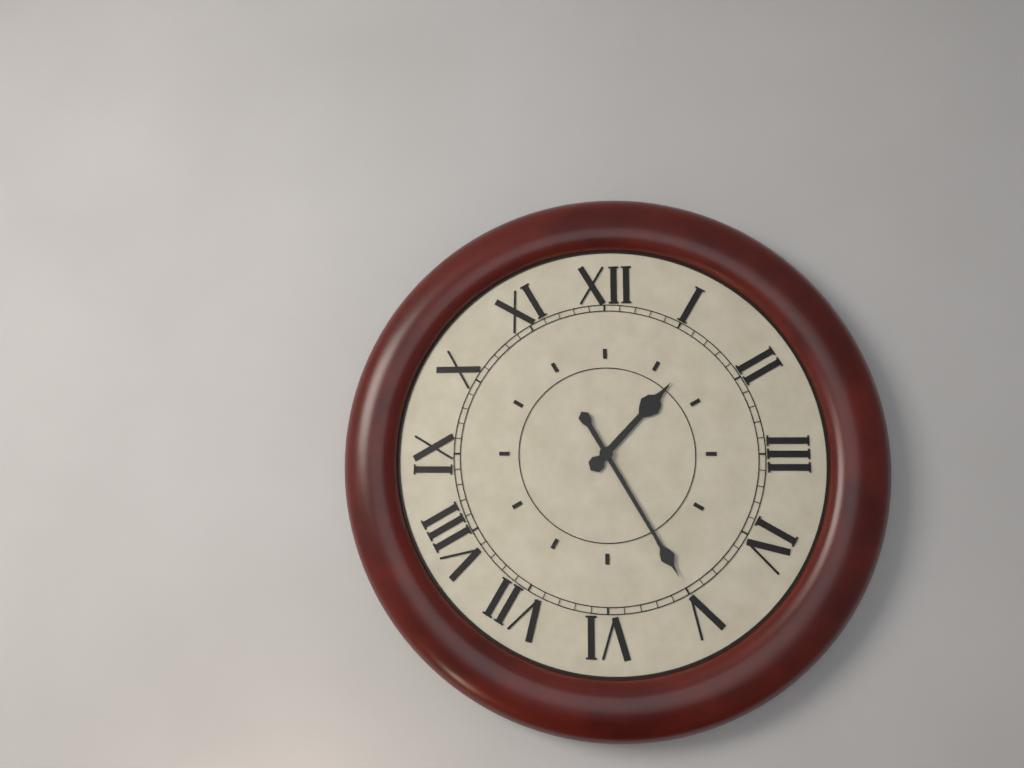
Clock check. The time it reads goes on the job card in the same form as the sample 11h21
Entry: 1h25
